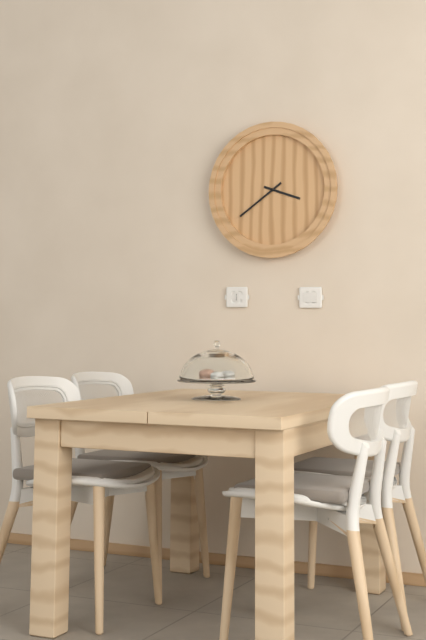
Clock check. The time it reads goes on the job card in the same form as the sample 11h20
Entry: 3h39
